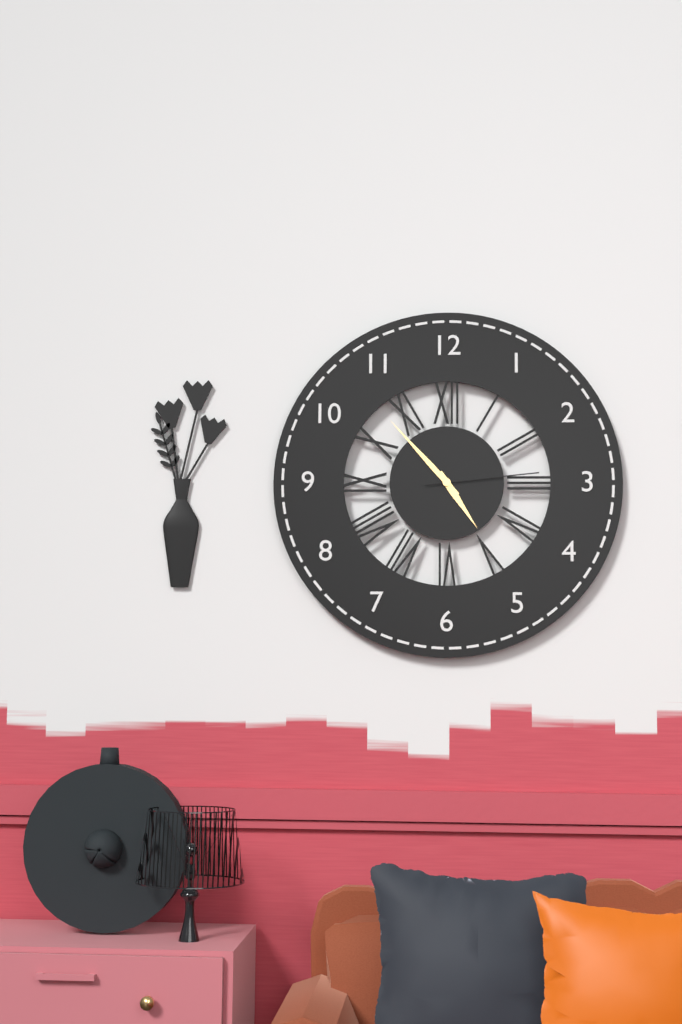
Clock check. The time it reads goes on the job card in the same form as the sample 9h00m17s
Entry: 4h53m14s
